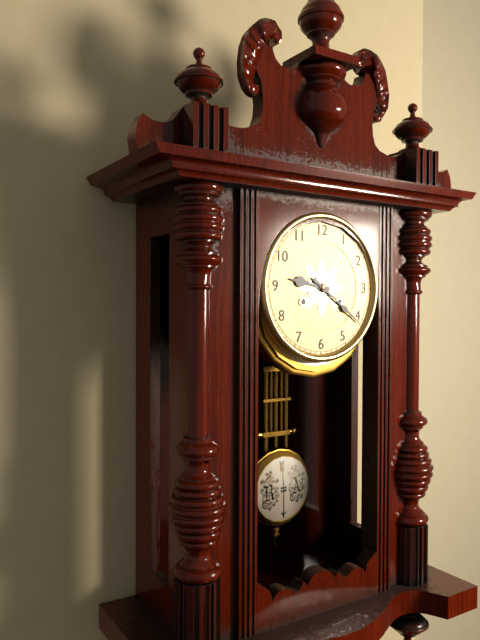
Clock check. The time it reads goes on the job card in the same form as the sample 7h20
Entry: 9h21
